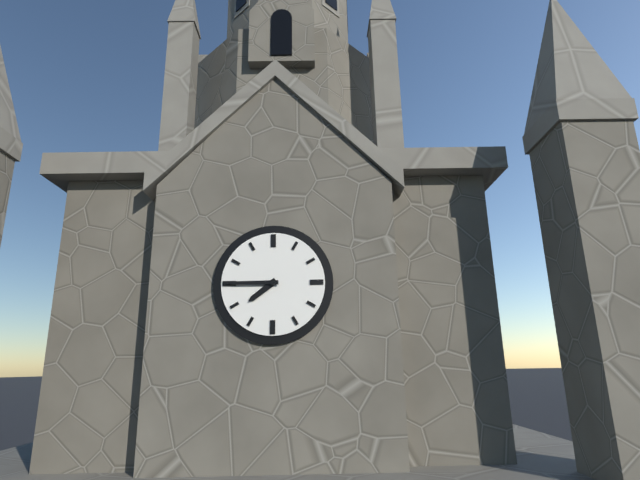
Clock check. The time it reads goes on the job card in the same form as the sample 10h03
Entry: 7h45
